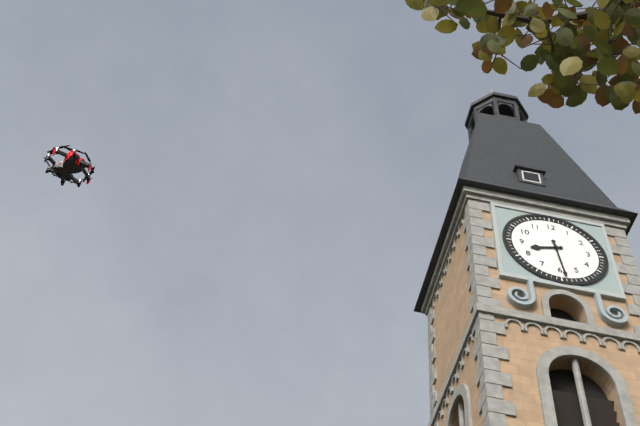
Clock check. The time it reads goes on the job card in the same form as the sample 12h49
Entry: 8h29
